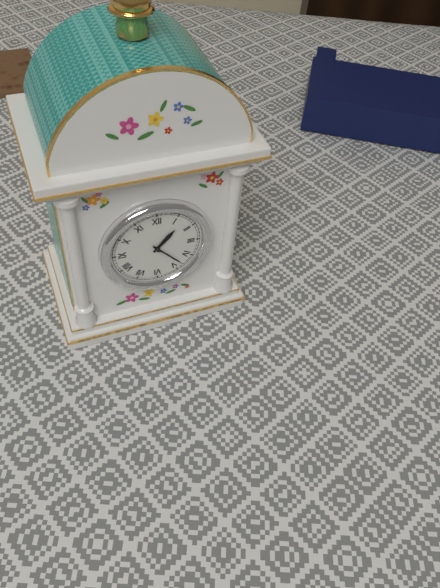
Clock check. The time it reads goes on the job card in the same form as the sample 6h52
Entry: 1h23
